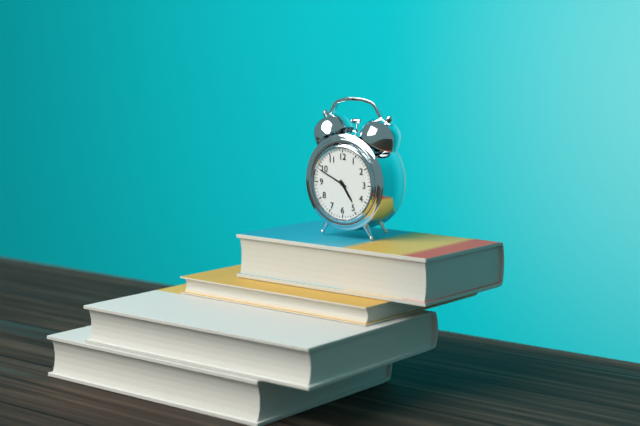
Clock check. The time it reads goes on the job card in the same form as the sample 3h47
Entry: 4h49
